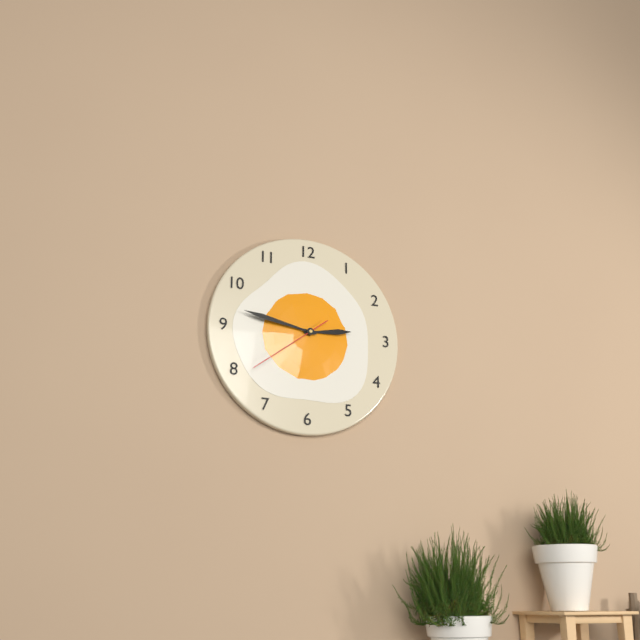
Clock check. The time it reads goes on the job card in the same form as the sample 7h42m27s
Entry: 2h47m39s
